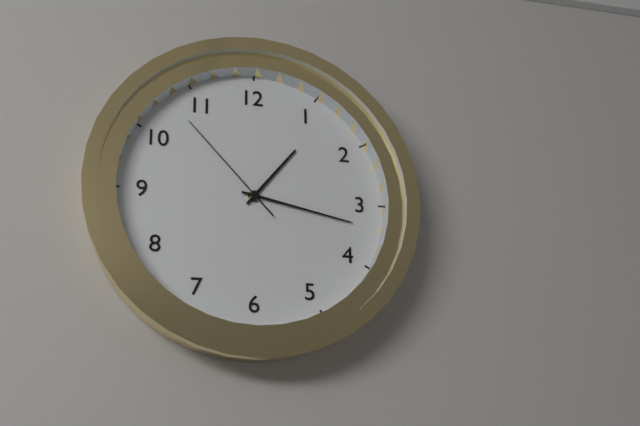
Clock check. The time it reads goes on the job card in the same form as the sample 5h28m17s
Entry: 1h17m53s
